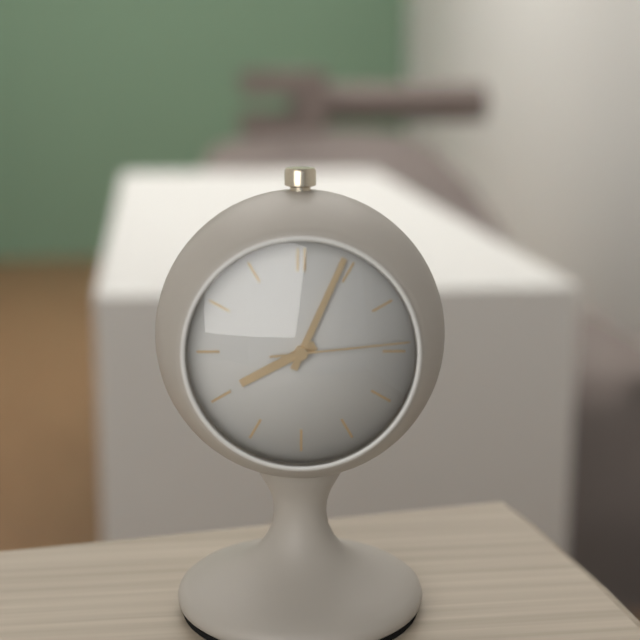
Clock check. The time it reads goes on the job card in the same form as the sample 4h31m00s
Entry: 8h04m14s
